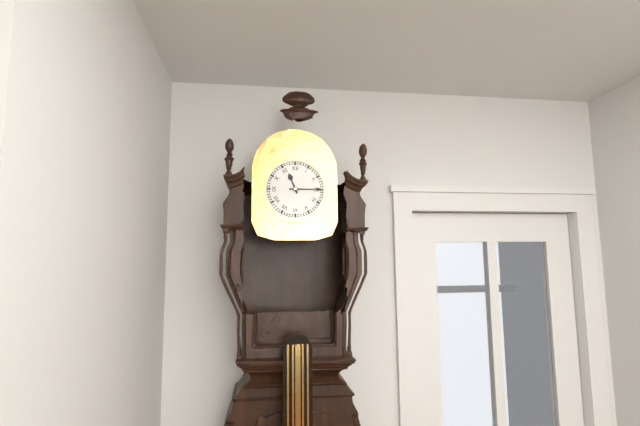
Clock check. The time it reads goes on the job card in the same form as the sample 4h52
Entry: 11h15
